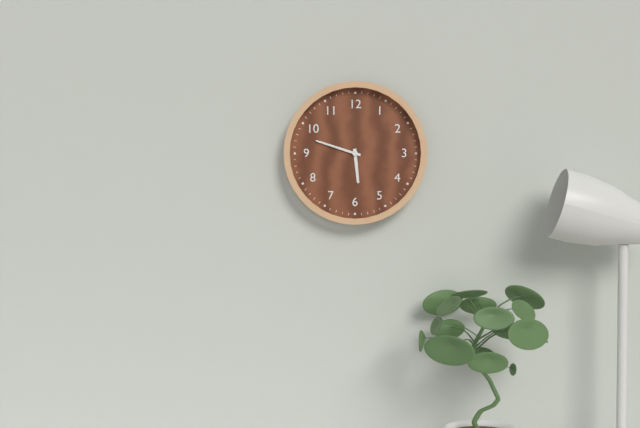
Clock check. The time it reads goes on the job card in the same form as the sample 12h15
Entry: 5h48
